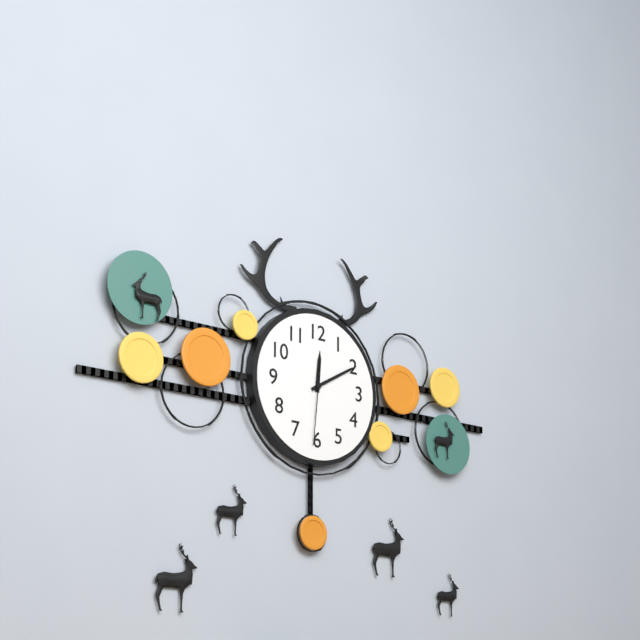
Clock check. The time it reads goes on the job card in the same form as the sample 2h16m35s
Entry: 12h10m31s
